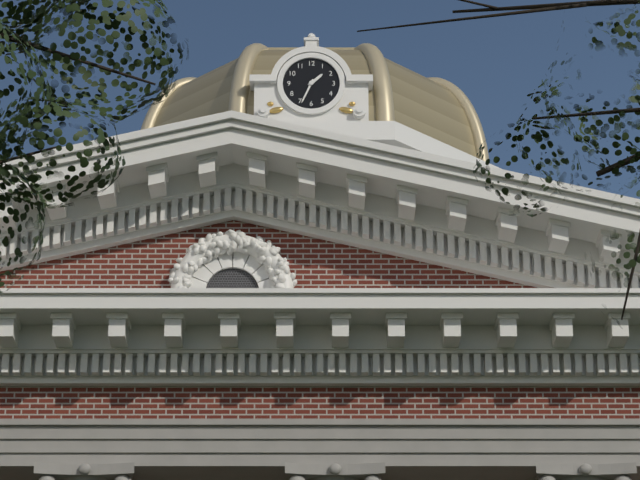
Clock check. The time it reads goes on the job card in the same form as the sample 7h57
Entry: 1h34
